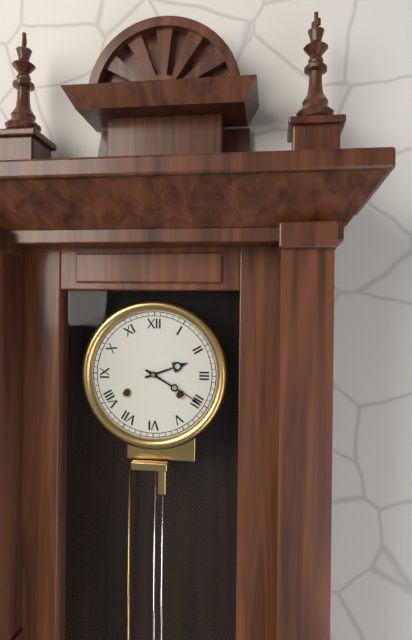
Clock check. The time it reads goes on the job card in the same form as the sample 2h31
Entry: 2h20
